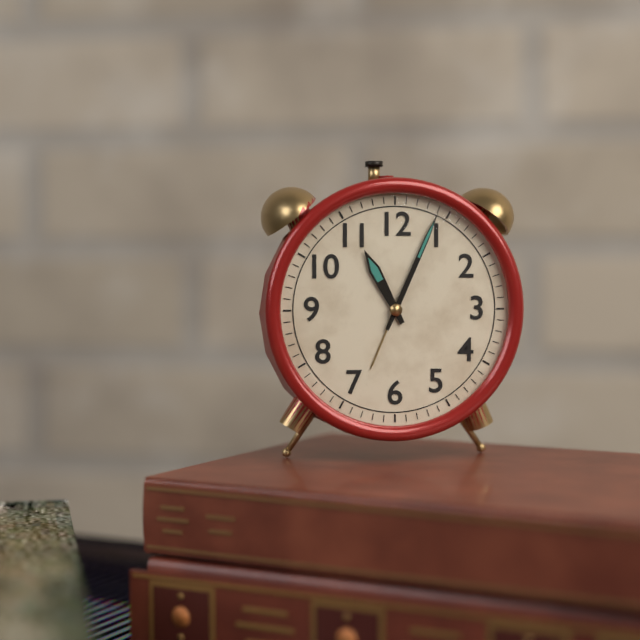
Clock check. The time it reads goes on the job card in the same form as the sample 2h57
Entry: 11h04
